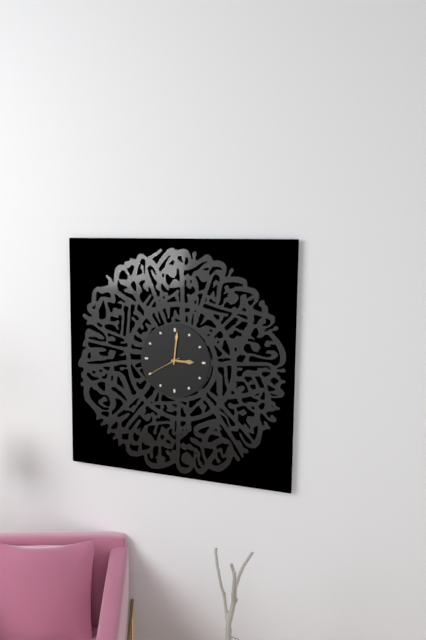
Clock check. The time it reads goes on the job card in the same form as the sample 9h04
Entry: 3h01
